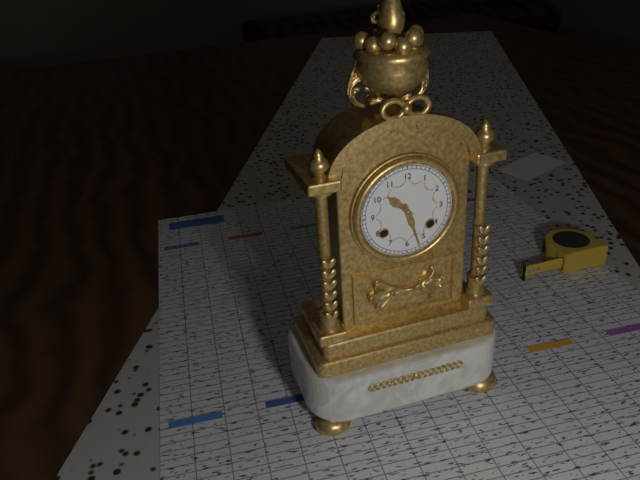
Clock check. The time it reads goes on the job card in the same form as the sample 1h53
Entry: 10h27
